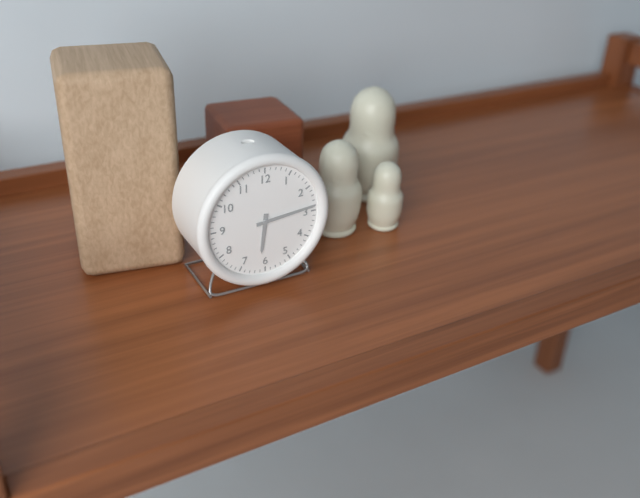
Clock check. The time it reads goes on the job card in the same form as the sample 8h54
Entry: 6h14
